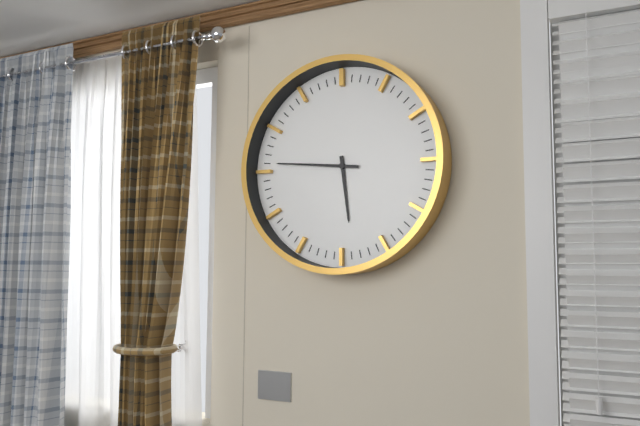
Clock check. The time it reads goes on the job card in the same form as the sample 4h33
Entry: 5h46
